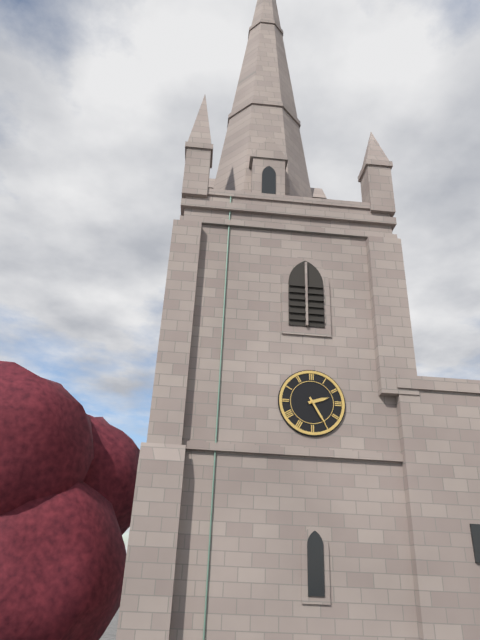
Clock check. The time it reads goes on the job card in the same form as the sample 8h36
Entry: 2h25
